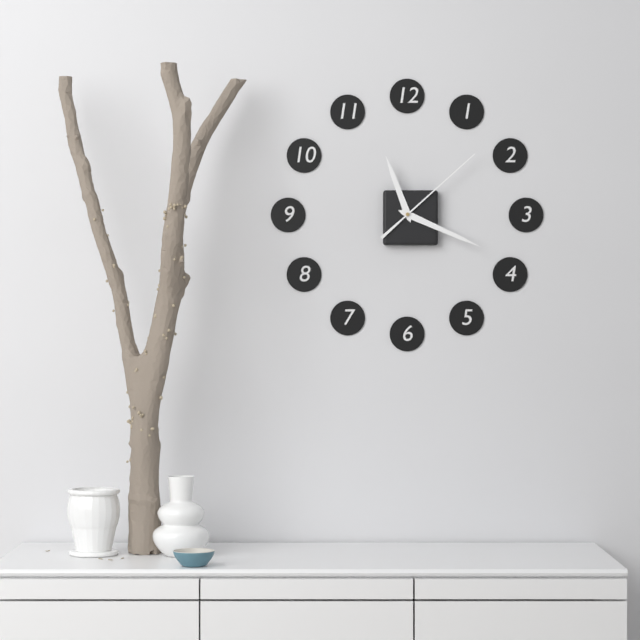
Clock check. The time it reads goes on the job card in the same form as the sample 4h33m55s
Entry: 11h19m08s
